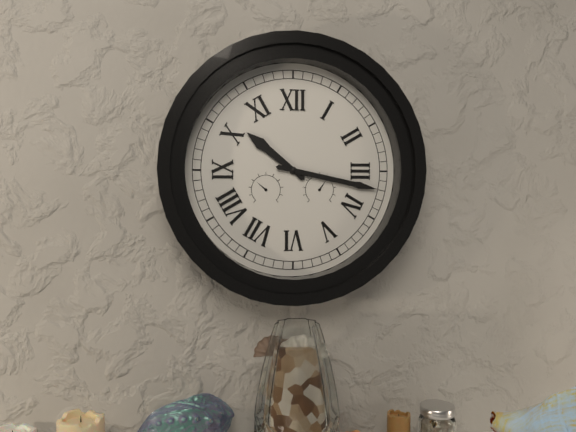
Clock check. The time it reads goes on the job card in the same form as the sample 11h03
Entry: 10h17
